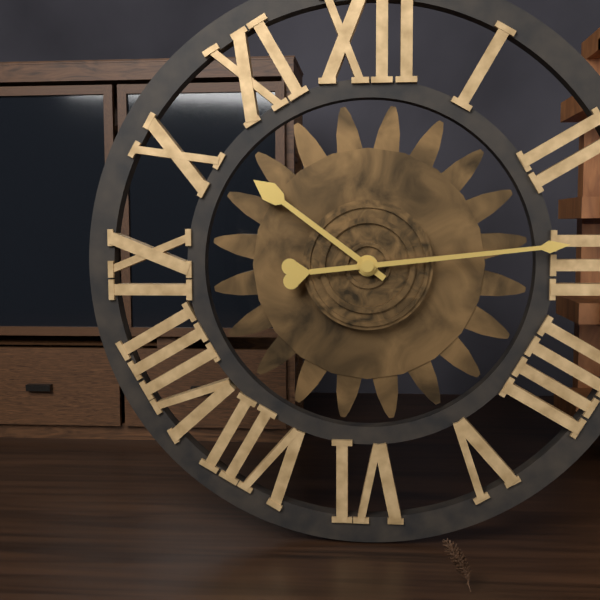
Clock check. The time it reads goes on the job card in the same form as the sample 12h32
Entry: 10h14
